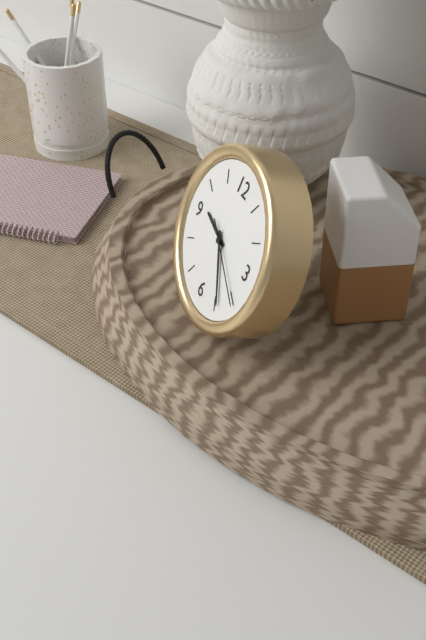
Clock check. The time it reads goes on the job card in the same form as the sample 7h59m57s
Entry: 9h24m20s
